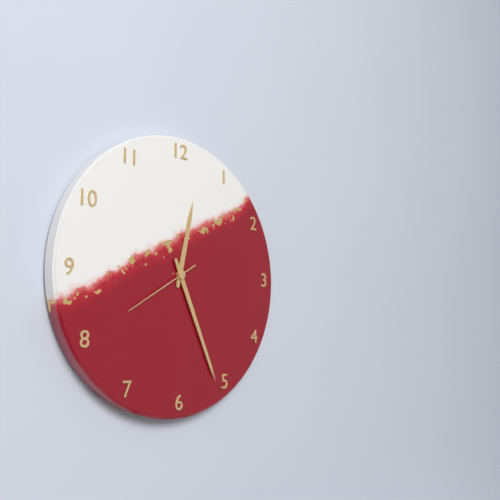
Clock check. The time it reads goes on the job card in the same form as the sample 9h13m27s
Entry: 12h26m40s
